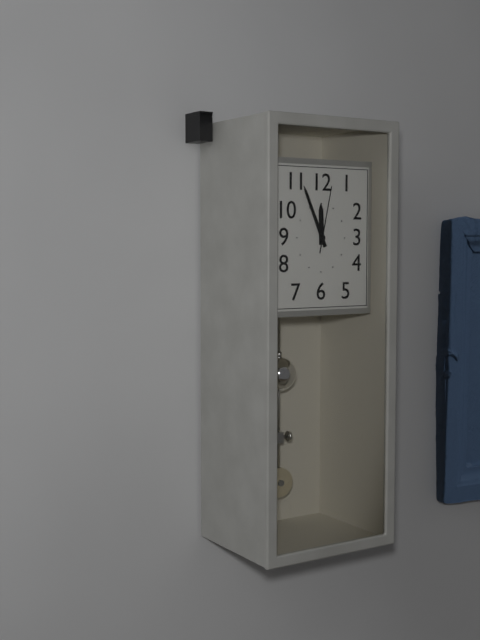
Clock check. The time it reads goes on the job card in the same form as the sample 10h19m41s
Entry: 11h56m02s
